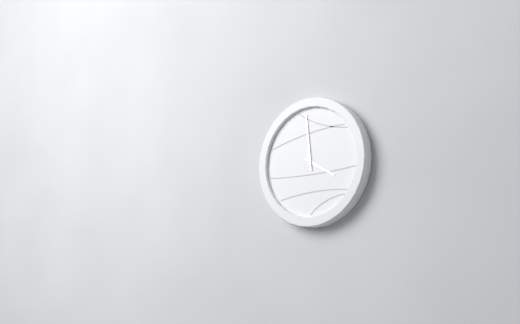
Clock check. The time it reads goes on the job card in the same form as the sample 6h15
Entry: 3h59
